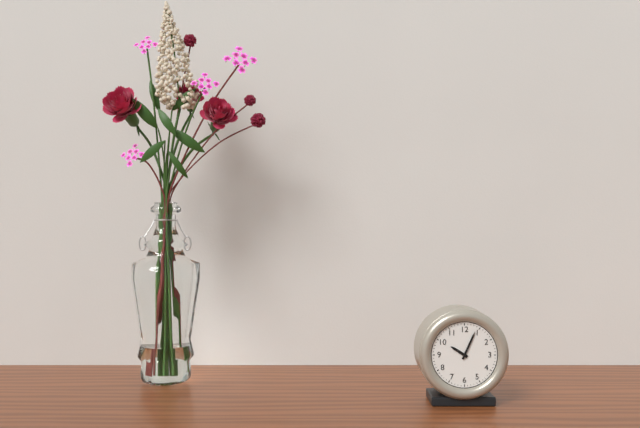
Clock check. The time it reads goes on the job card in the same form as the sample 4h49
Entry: 10h04
